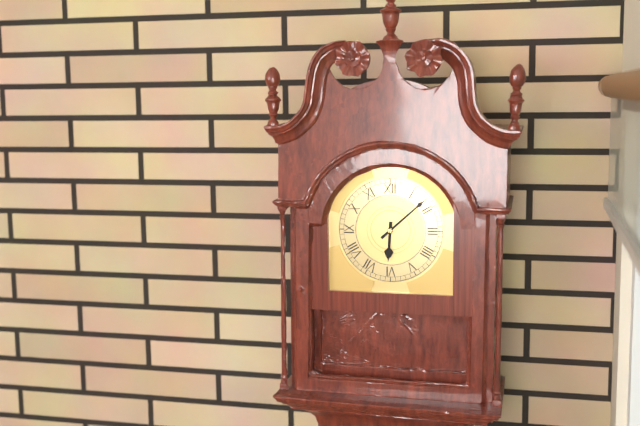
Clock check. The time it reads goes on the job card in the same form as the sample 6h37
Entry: 6h08
